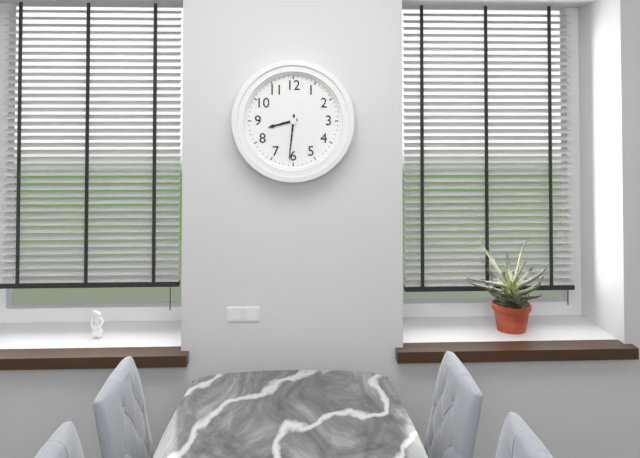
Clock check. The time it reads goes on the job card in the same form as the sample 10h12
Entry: 8h31
